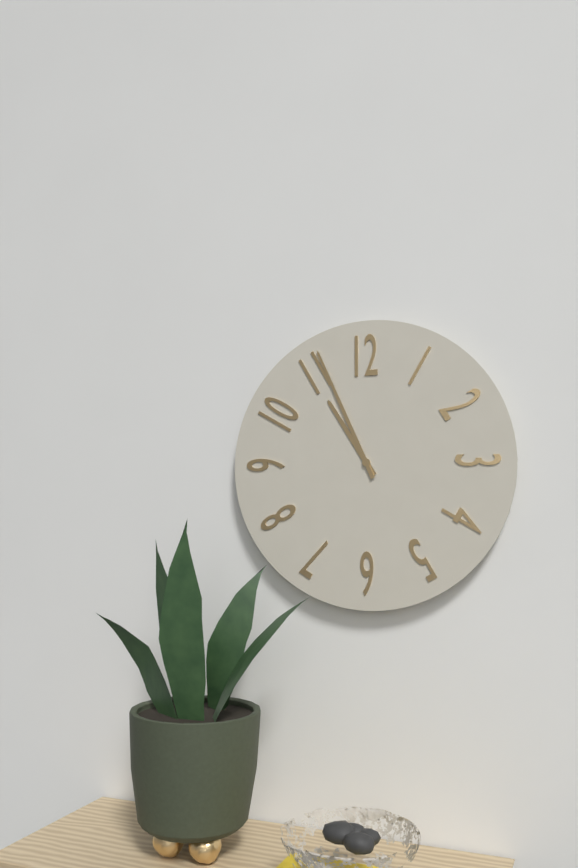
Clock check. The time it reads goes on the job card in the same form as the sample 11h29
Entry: 10h56
